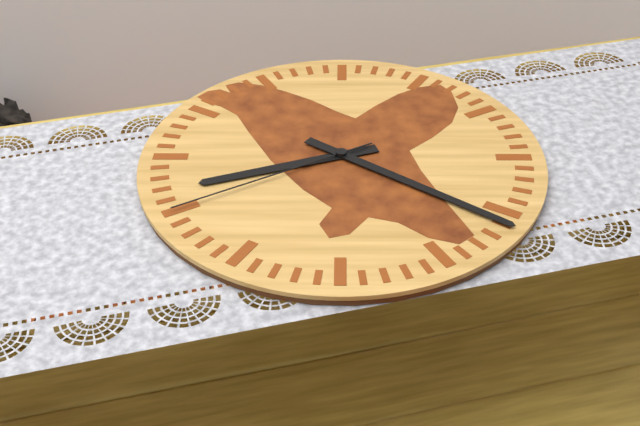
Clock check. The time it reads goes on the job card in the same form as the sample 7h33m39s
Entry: 8h21m40s
